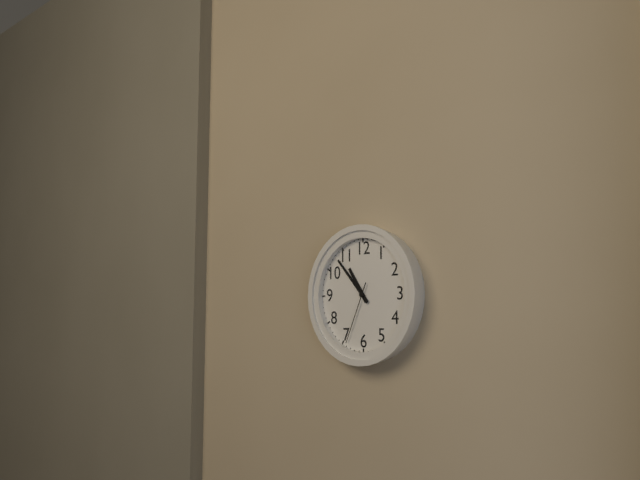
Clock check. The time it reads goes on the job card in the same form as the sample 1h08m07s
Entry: 10h53m34s
